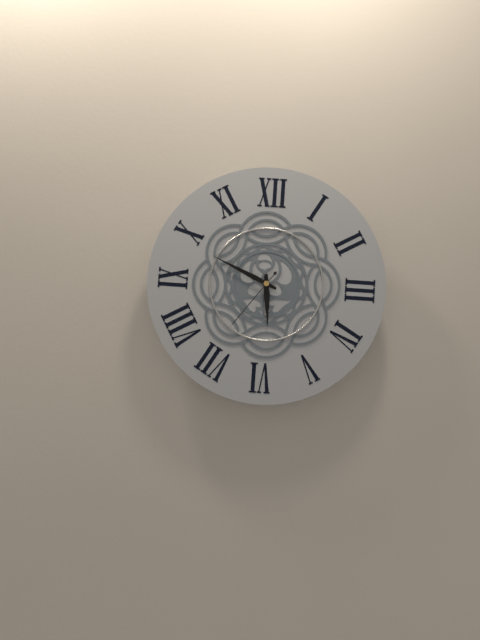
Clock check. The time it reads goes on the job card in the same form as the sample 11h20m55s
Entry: 5h49m36s
